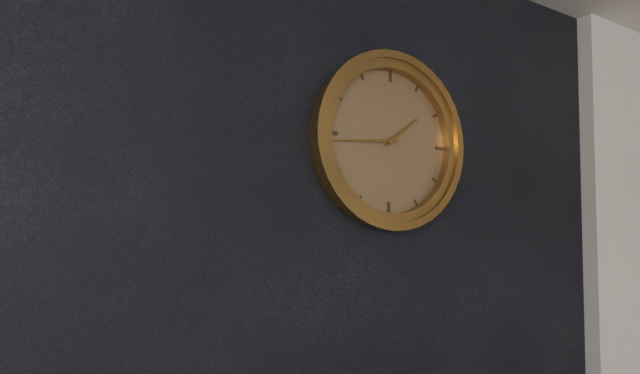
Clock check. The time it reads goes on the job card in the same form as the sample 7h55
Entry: 1h44
